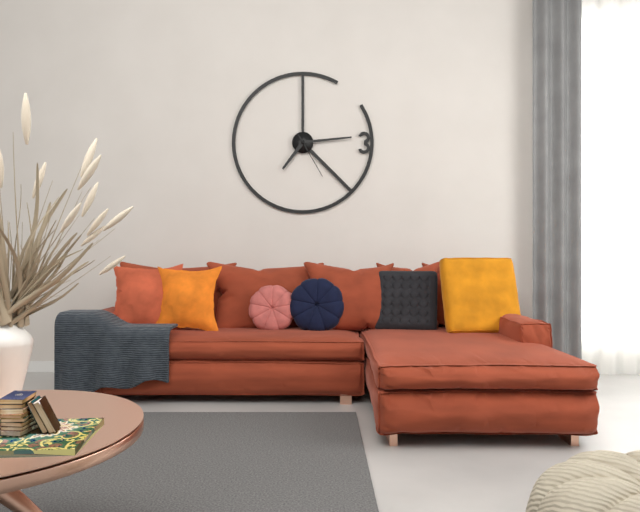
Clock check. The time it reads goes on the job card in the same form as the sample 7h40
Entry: 7h14
